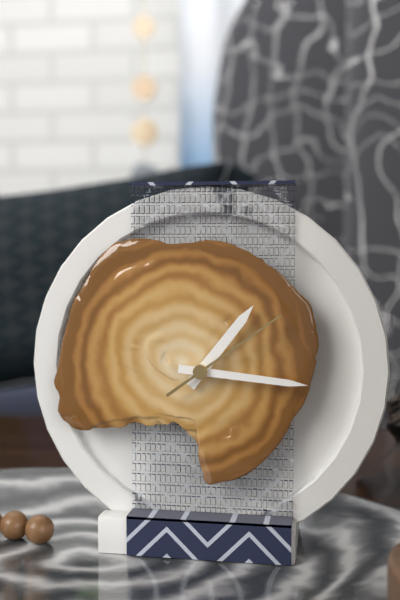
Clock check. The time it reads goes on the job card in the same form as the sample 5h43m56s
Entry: 1h16m09s
